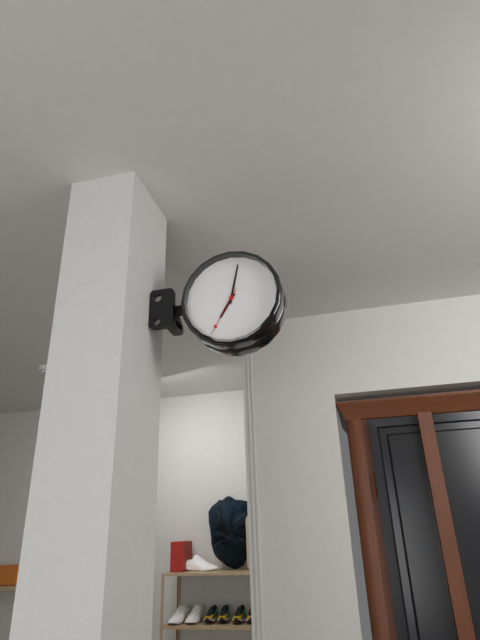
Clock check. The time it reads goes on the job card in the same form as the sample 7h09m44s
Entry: 7h02m35s
